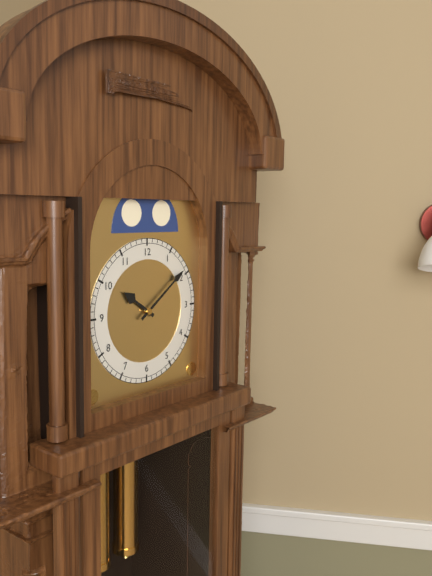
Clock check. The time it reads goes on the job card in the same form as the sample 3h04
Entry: 10h09
